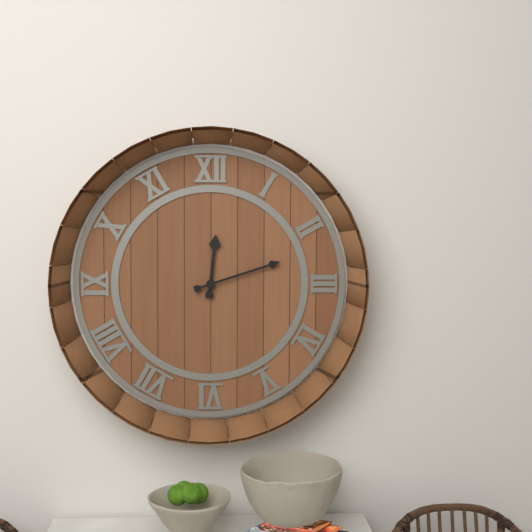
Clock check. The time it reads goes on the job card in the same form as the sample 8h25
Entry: 12h12
